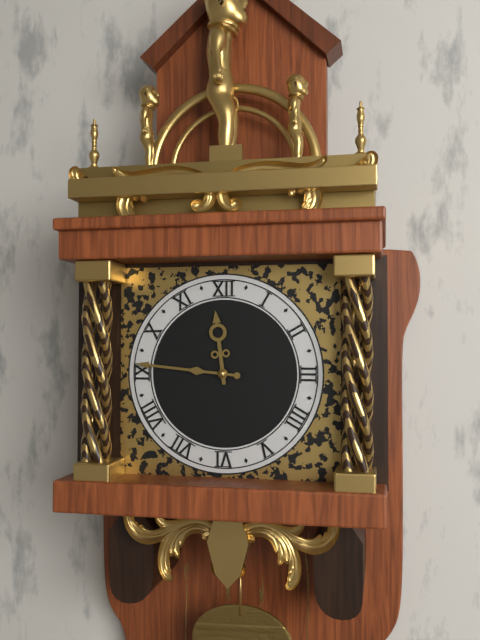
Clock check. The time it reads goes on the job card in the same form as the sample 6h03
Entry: 11h46
